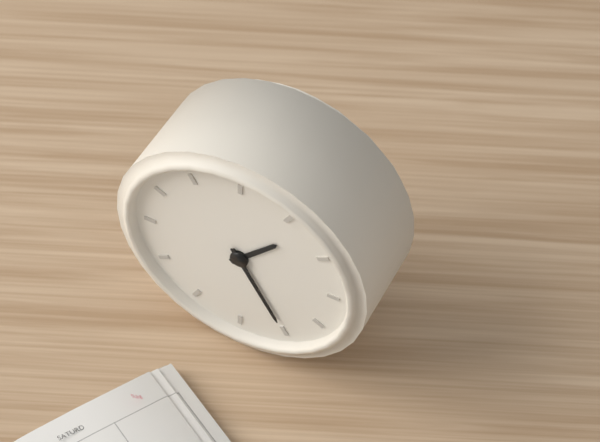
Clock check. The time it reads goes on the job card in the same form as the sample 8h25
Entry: 1h25
